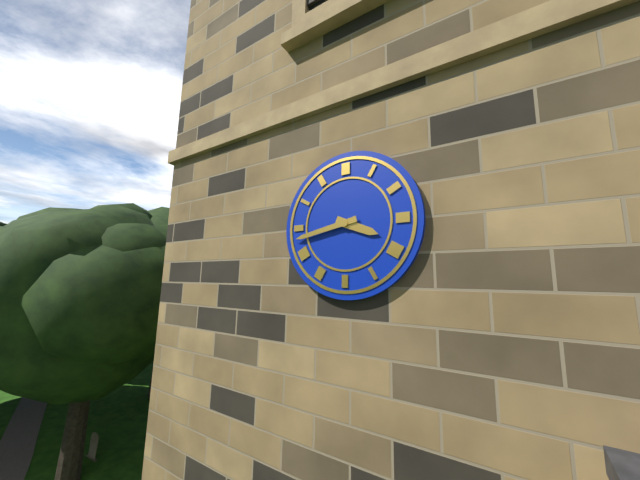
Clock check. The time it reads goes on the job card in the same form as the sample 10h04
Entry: 3h43
